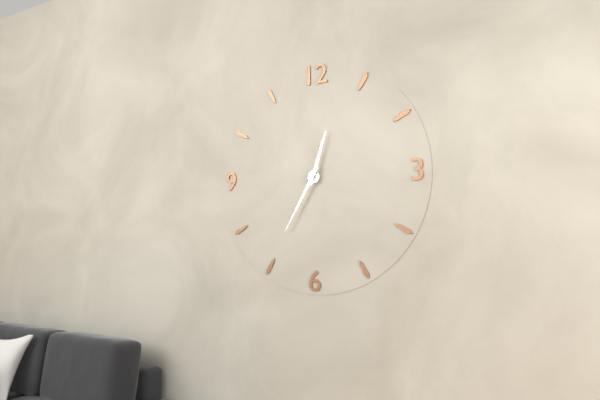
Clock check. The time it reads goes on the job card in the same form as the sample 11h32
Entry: 12h35
